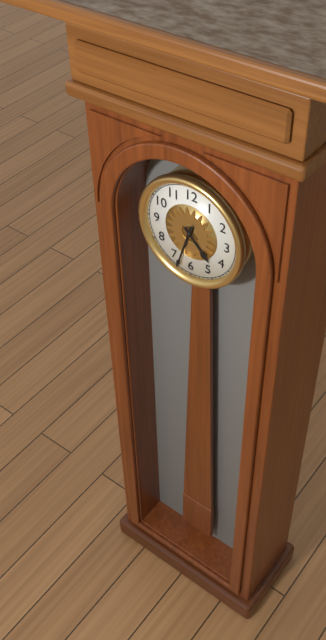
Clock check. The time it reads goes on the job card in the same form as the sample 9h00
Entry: 4h33
